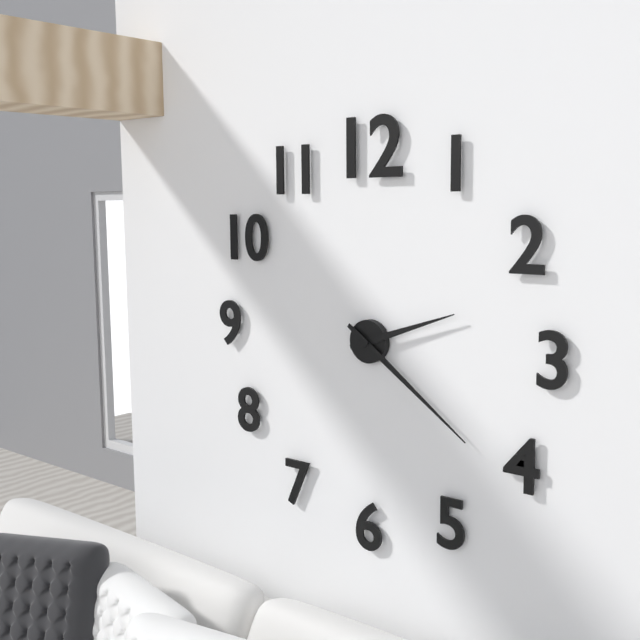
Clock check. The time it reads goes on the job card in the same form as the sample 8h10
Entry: 2h21
